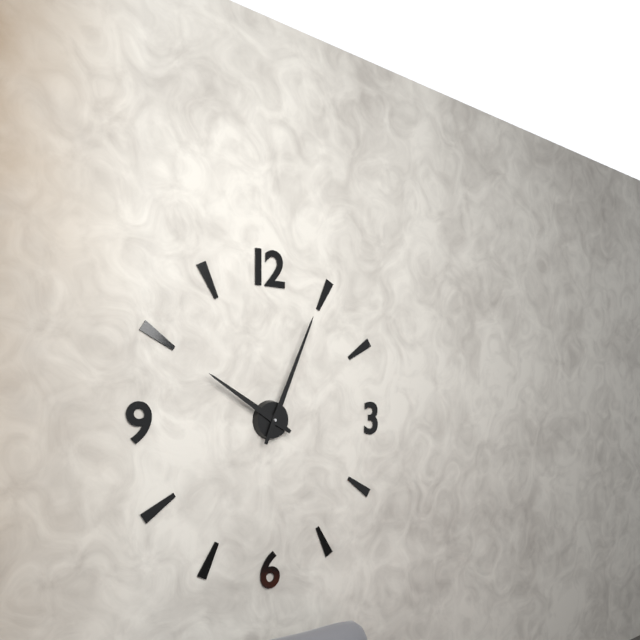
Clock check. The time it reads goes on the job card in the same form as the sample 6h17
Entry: 10h04
